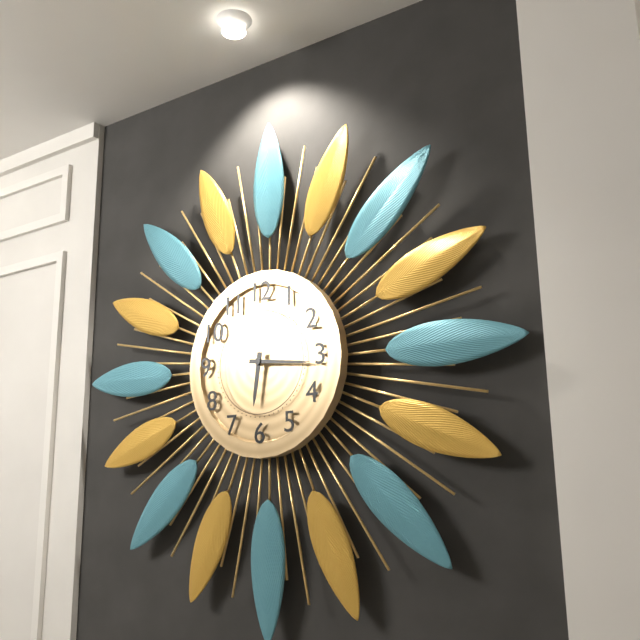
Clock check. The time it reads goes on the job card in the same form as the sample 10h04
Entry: 6h16
